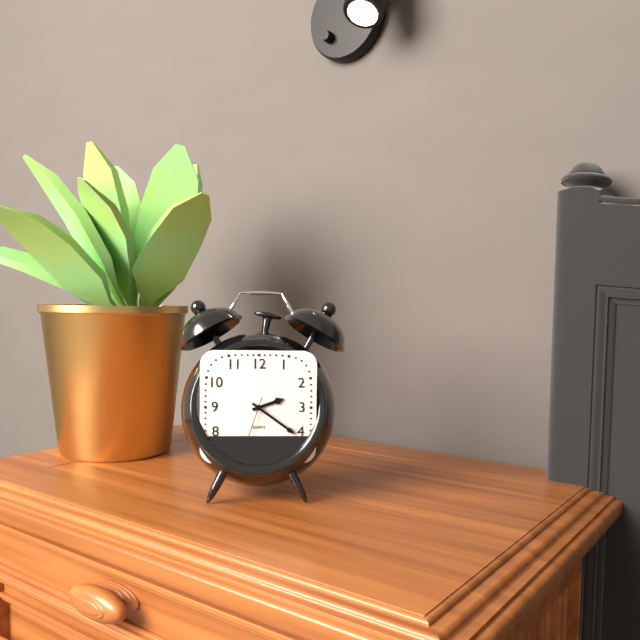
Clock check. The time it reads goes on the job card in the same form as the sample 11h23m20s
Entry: 2h21m33s
